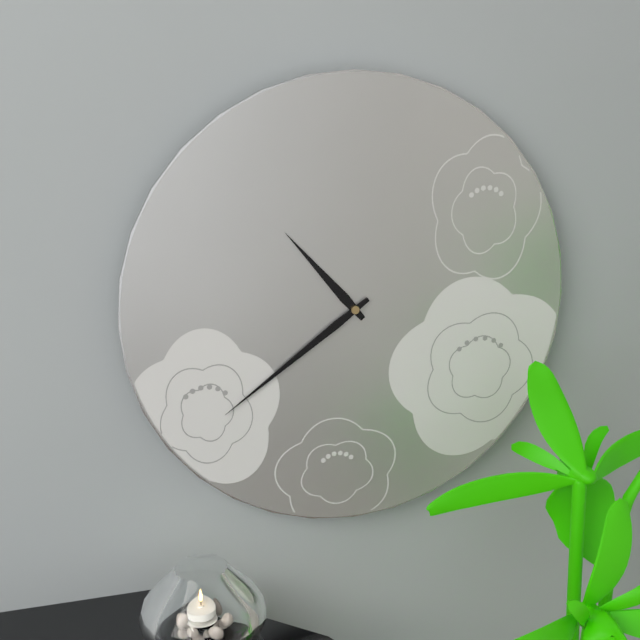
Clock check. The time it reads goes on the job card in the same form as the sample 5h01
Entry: 10h39
